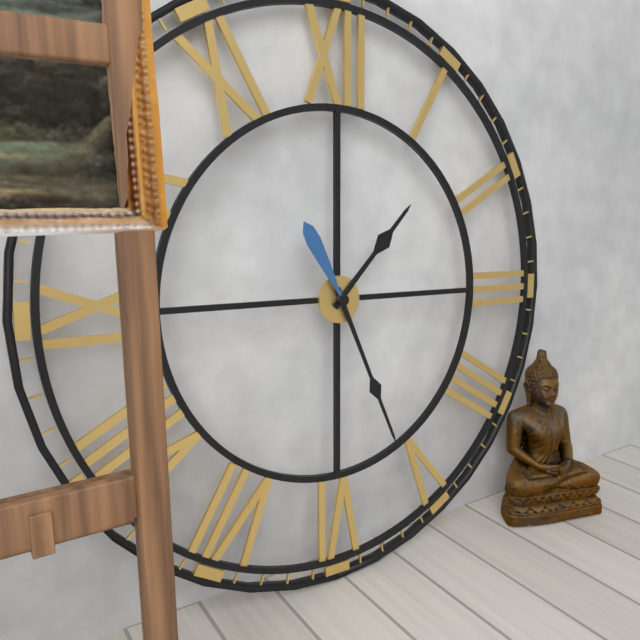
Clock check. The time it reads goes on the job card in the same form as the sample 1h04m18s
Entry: 1h26m55s
